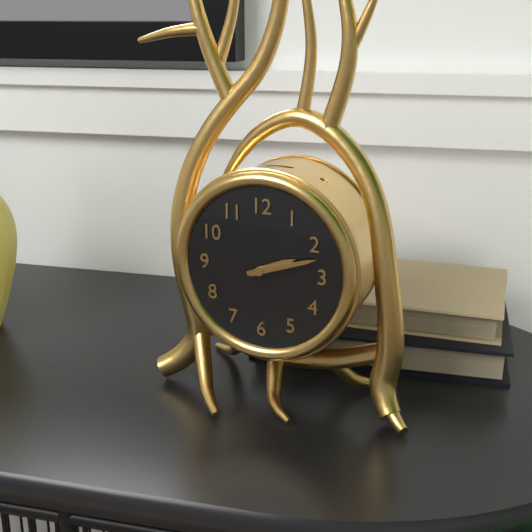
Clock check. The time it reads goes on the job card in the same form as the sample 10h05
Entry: 2h12
